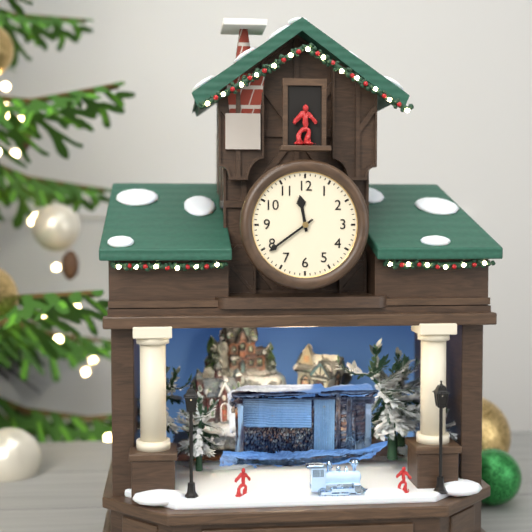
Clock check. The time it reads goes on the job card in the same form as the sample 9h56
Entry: 11h39
